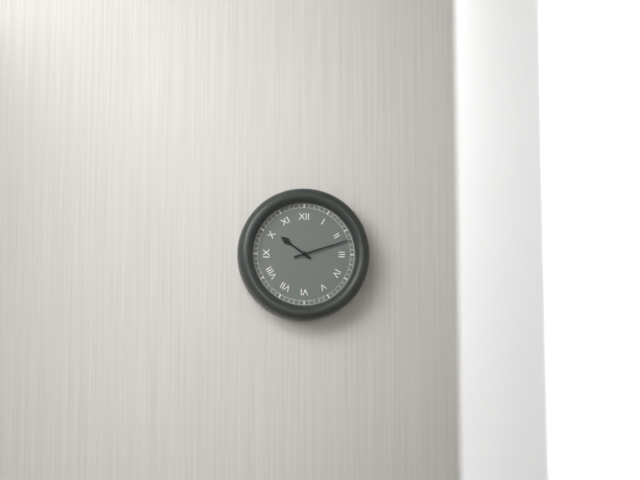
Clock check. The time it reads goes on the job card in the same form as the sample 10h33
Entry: 10h12
